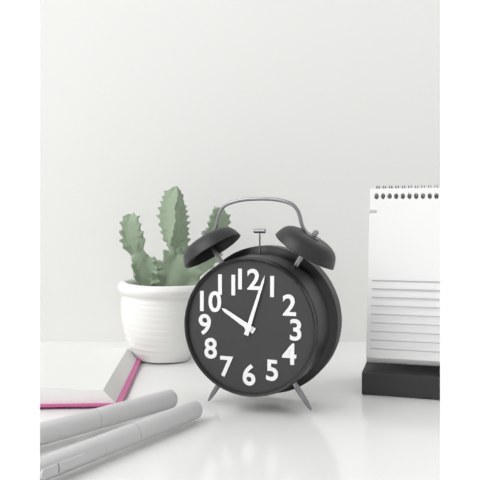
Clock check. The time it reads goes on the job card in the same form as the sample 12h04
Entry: 10h03
